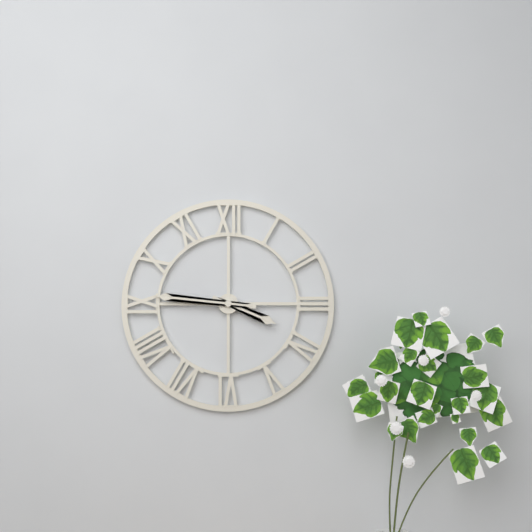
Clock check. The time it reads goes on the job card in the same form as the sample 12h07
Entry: 3h46
